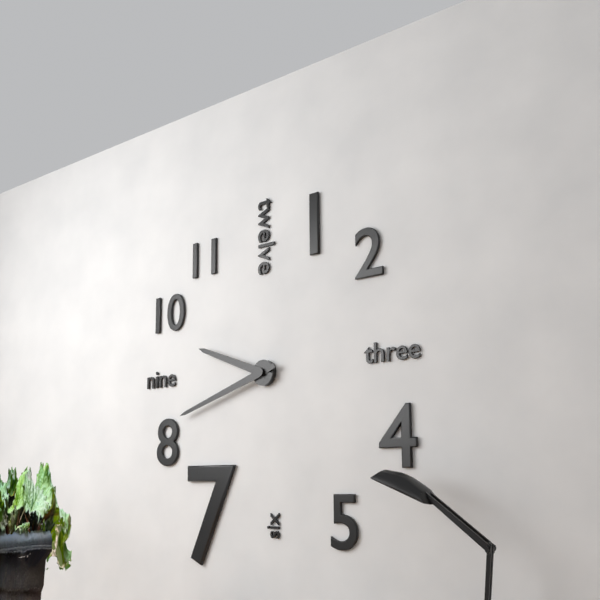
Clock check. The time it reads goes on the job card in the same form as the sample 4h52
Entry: 9h42
